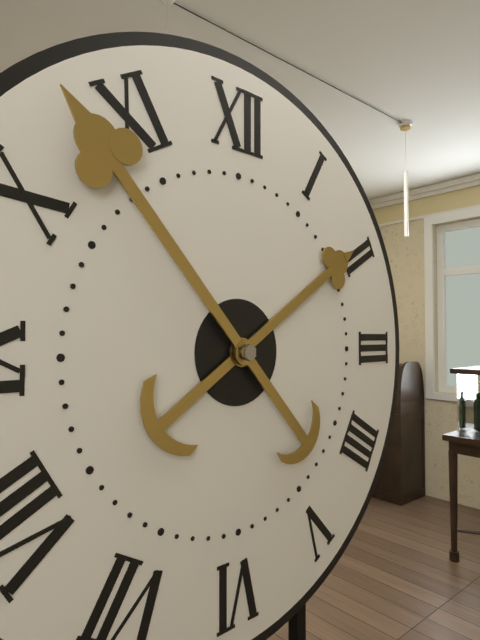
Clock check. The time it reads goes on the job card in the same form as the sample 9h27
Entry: 1h53
